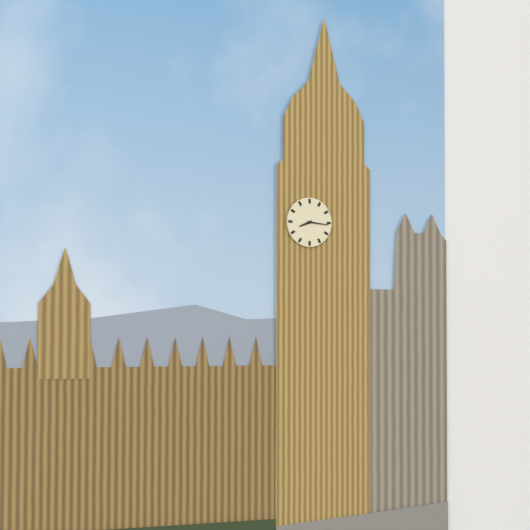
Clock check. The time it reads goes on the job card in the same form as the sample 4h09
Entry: 8h16
